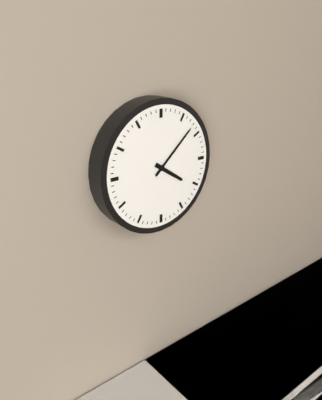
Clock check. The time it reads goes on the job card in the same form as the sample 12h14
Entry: 4h08
